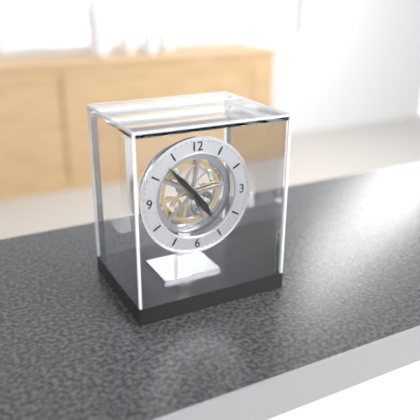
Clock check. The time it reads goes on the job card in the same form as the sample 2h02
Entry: 4h53
